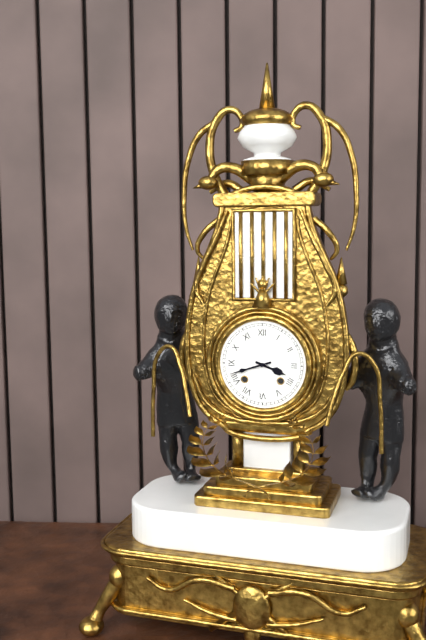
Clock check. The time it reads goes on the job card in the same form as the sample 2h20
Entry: 3h42
